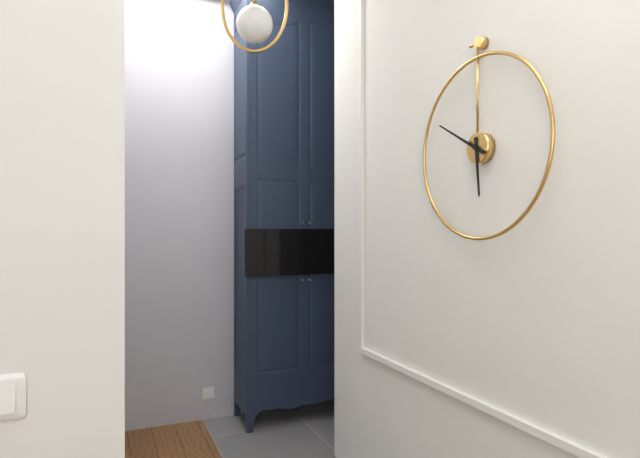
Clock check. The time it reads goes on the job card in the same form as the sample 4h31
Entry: 5h50
